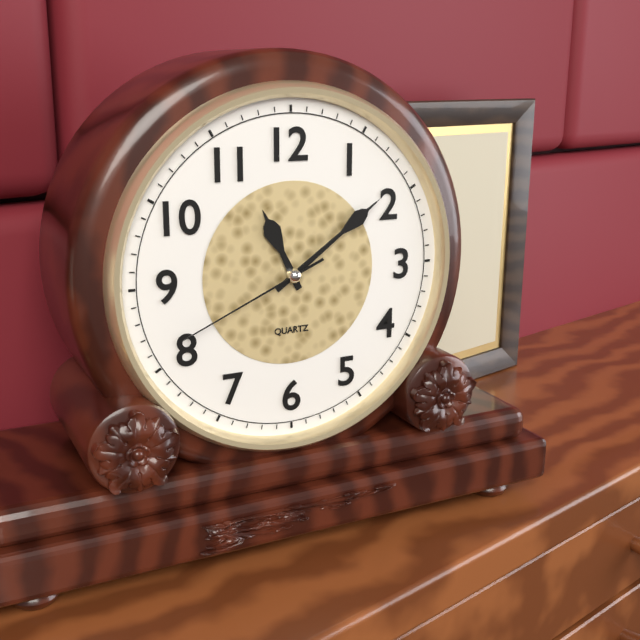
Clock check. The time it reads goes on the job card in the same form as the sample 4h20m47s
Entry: 11h09m41s
